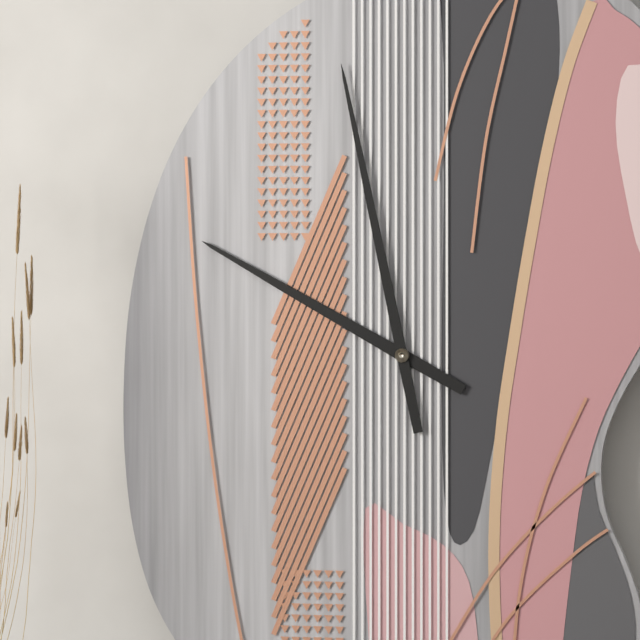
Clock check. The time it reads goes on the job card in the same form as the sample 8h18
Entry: 9h58
